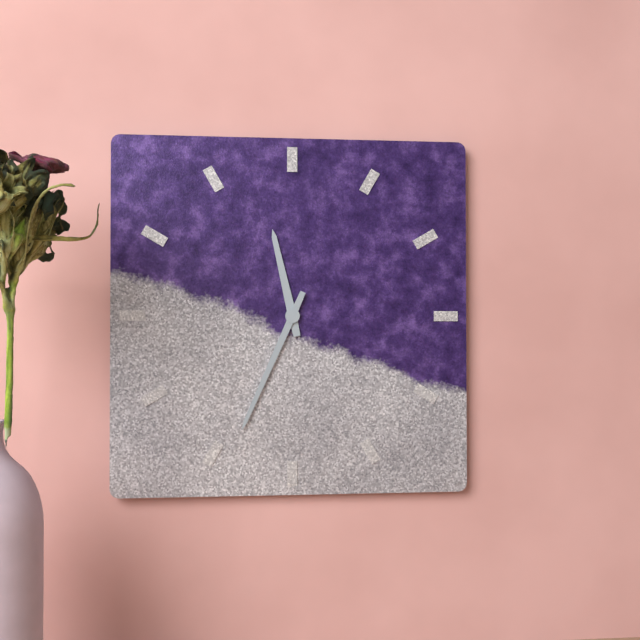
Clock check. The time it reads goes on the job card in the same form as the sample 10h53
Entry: 11h34
